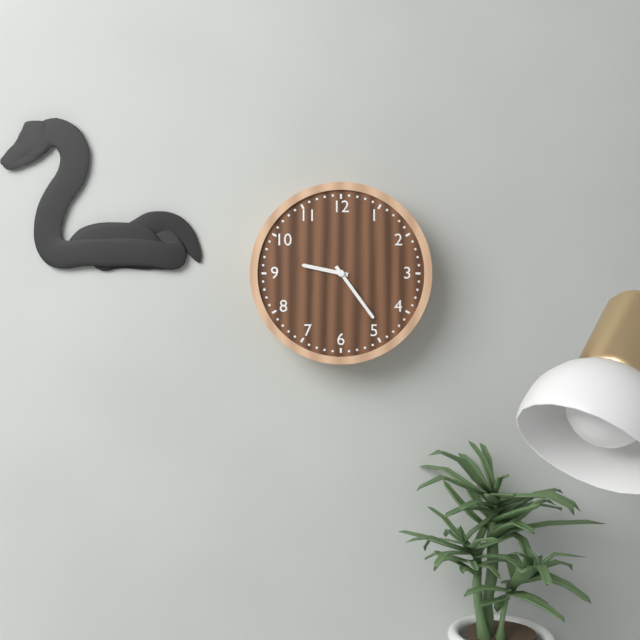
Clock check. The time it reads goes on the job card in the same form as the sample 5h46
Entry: 9h24
